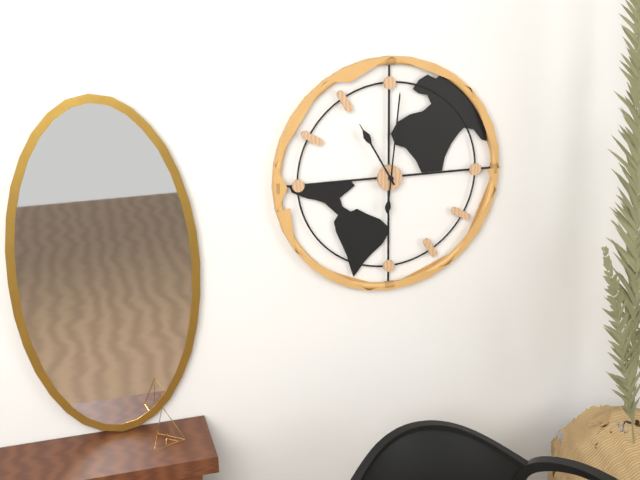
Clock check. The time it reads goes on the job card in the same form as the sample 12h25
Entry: 11h01
